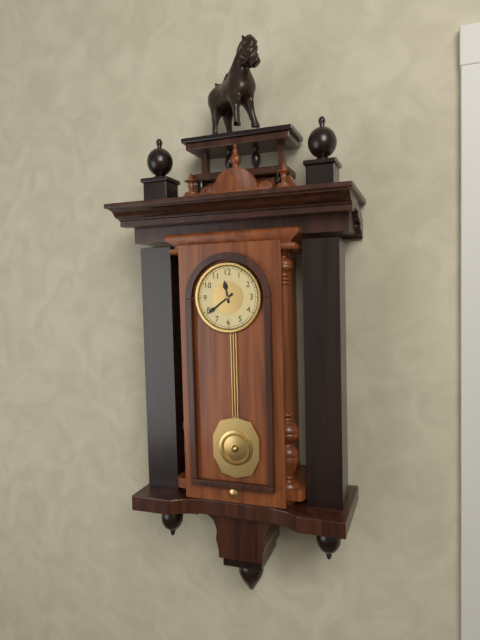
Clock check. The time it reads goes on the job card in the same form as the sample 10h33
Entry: 11h39
